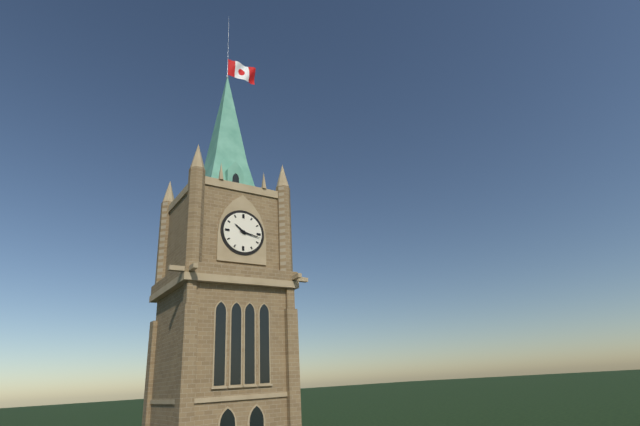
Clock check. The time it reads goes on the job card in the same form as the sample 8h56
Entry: 10h17
